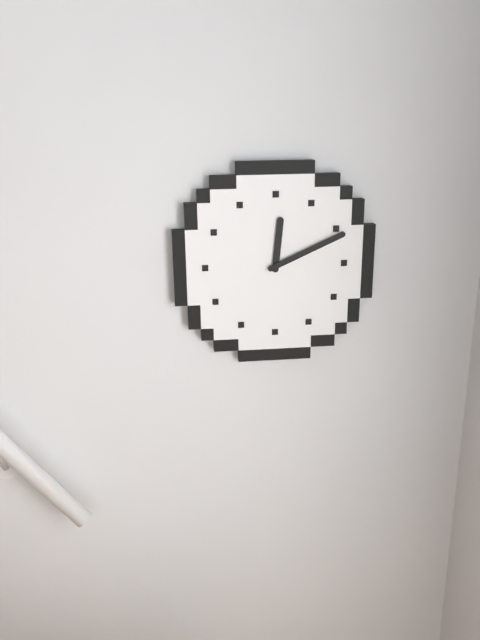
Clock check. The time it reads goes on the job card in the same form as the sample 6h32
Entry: 12h11
